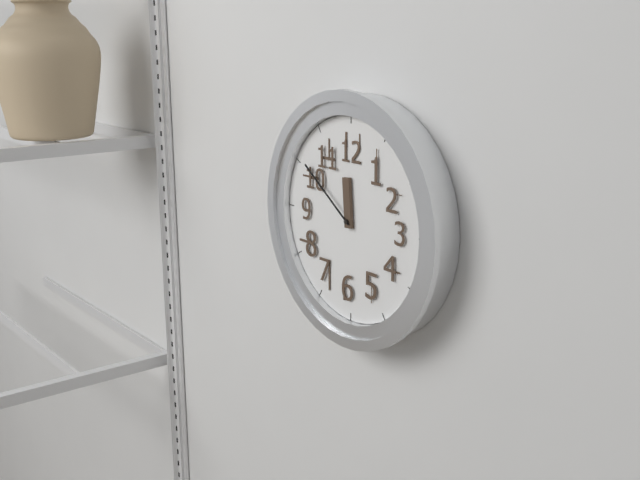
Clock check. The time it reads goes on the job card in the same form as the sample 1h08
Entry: 11h51
